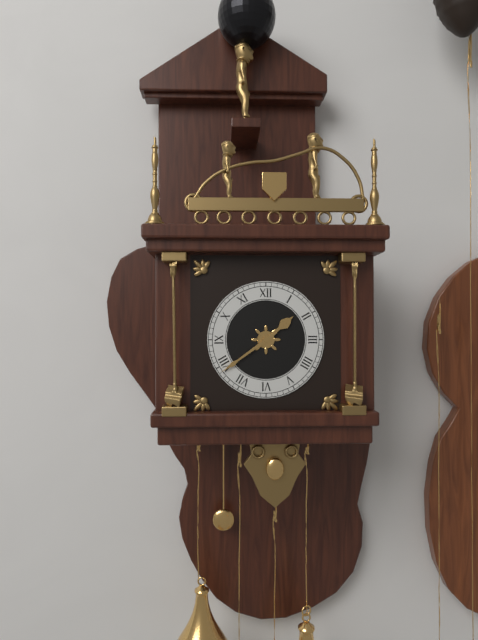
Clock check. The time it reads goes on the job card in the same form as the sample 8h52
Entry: 1h39
